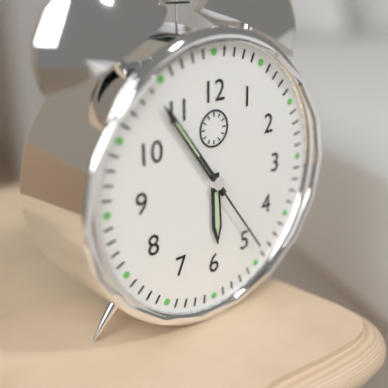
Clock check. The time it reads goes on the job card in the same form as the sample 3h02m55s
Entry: 5h54m24s
